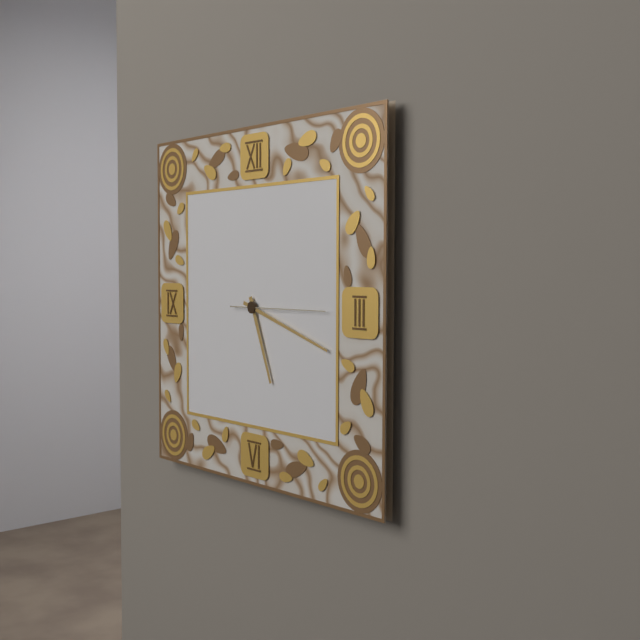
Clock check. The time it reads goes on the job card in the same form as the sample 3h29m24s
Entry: 5h18m15s
